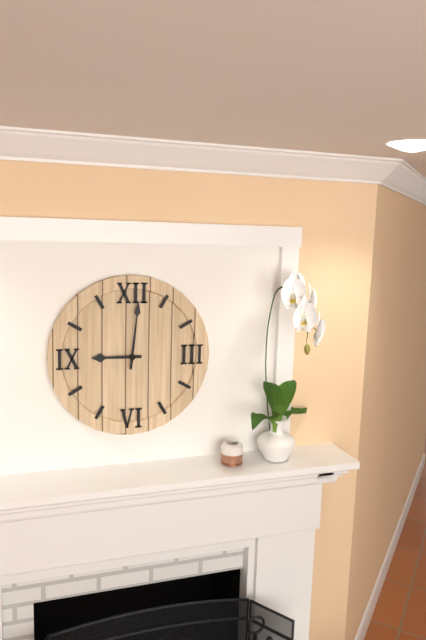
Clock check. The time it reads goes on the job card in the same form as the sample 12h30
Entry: 9h01
